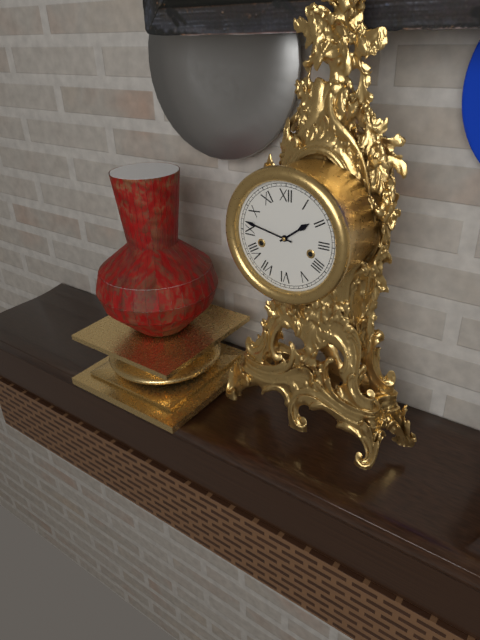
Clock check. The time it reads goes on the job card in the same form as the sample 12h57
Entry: 1h47
